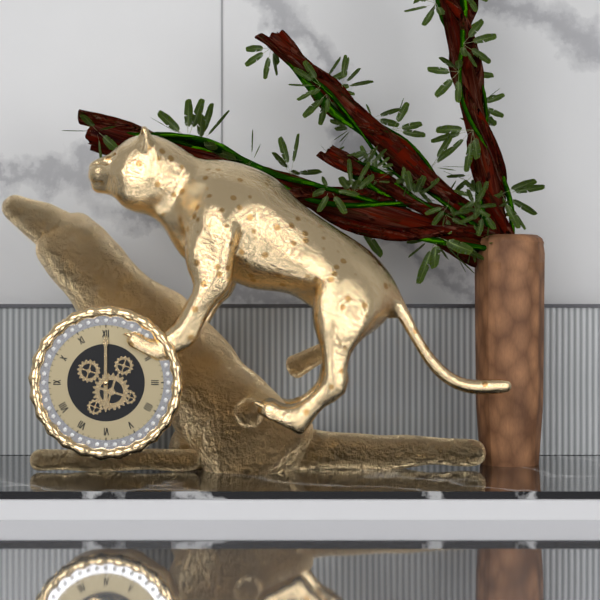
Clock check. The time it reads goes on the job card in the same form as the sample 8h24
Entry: 6h00
